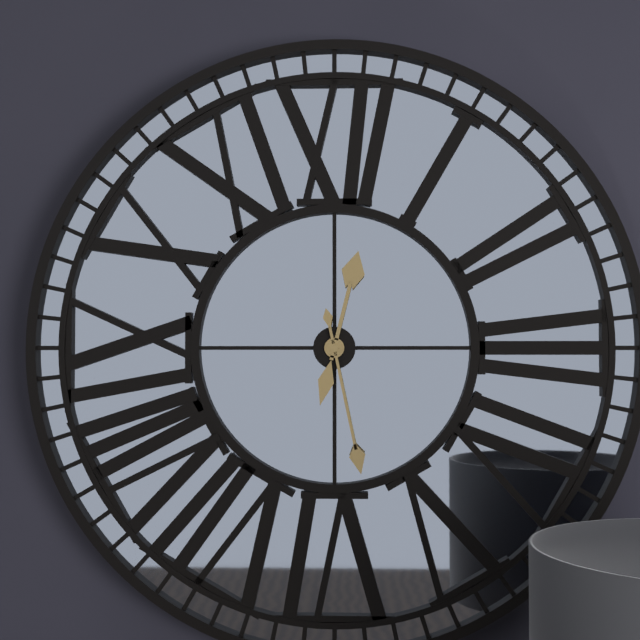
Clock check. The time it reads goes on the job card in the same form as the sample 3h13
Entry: 12h28
